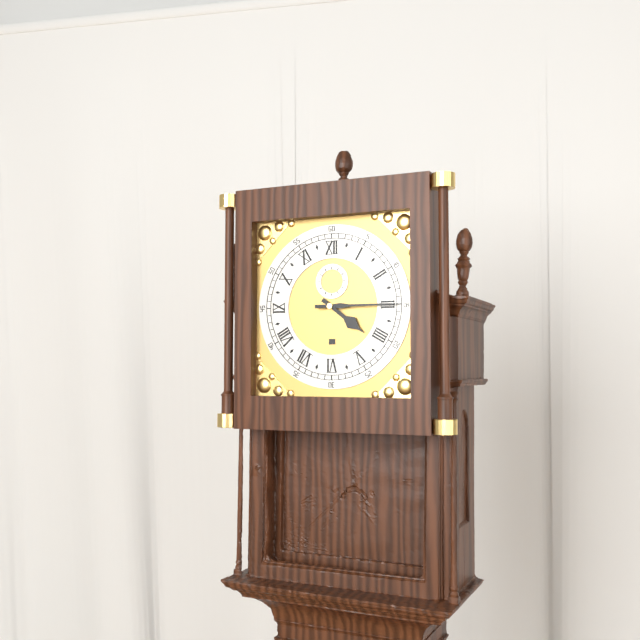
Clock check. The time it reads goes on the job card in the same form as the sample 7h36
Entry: 4h15
